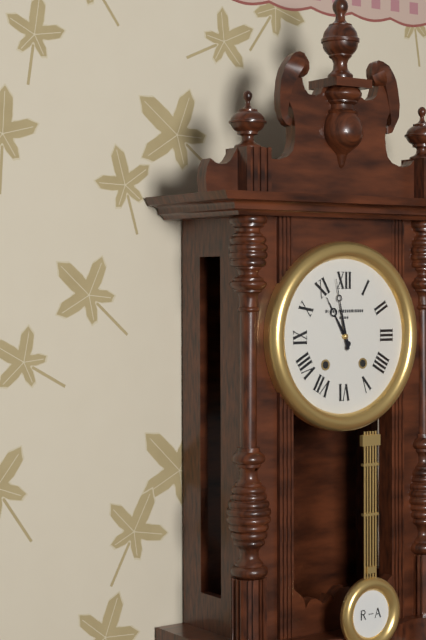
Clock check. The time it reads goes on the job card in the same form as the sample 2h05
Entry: 10h58
